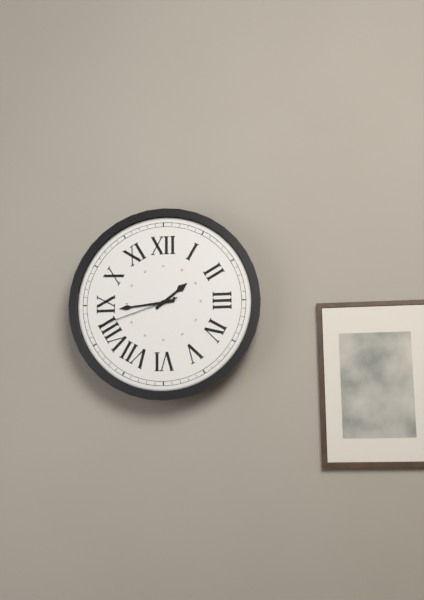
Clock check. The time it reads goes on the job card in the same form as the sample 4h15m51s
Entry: 1h44m42s
